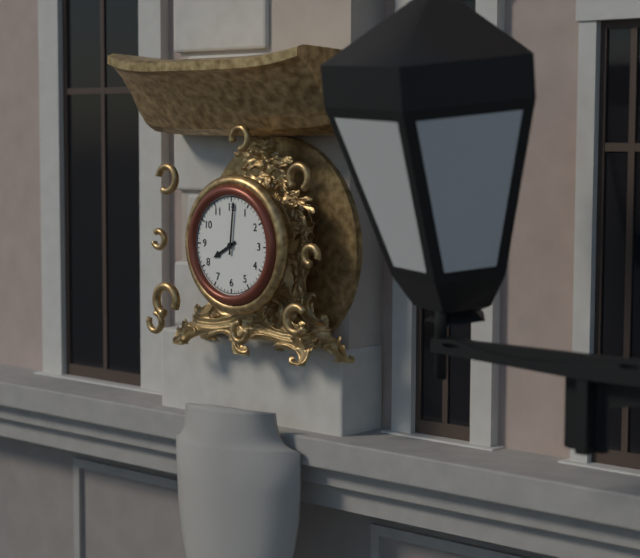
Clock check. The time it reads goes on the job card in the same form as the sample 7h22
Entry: 8h01
